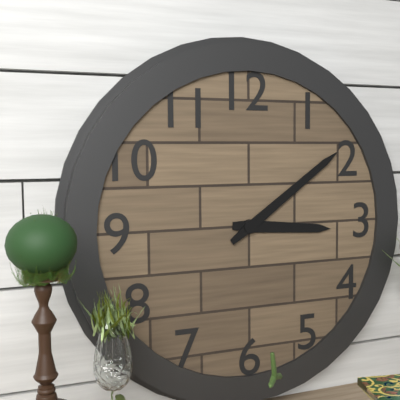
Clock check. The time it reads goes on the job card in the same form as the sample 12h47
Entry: 3h09
